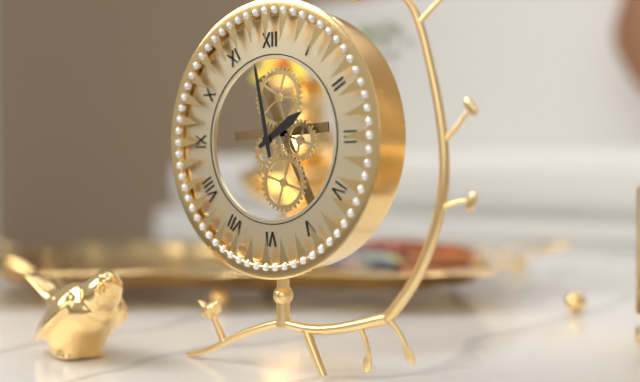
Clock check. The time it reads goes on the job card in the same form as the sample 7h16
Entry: 1h58
